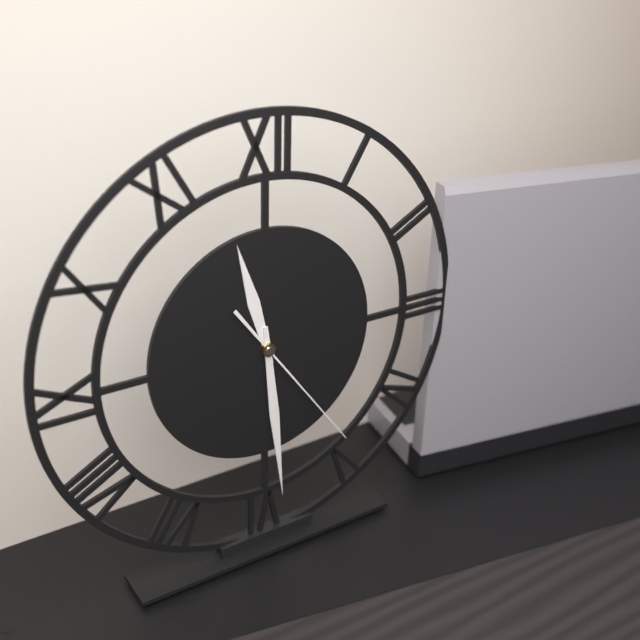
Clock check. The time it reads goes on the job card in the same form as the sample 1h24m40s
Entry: 11h29m24s
